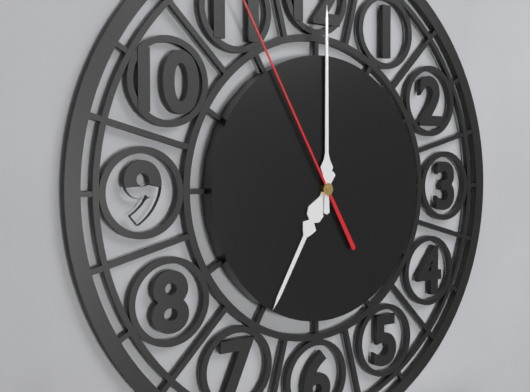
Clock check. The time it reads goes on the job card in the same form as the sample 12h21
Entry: 7h00
